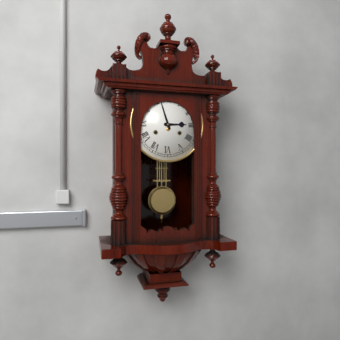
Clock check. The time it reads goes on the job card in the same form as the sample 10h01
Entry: 2h57
